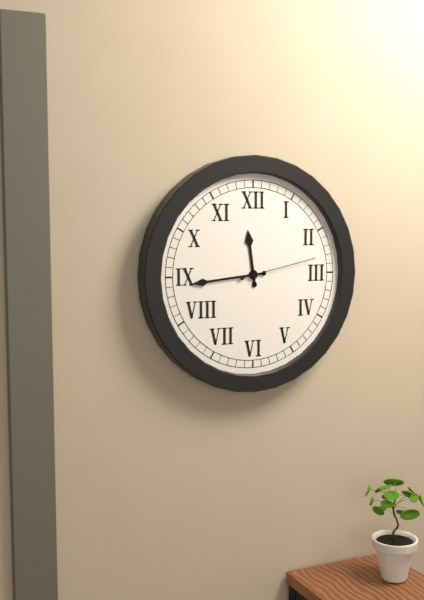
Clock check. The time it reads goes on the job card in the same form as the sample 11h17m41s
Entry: 11h44m13s
